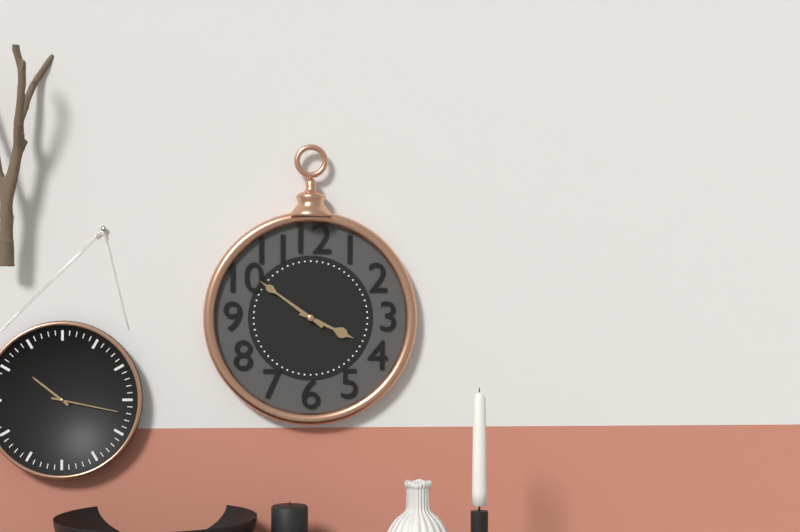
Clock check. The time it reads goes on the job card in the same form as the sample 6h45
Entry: 3h51
